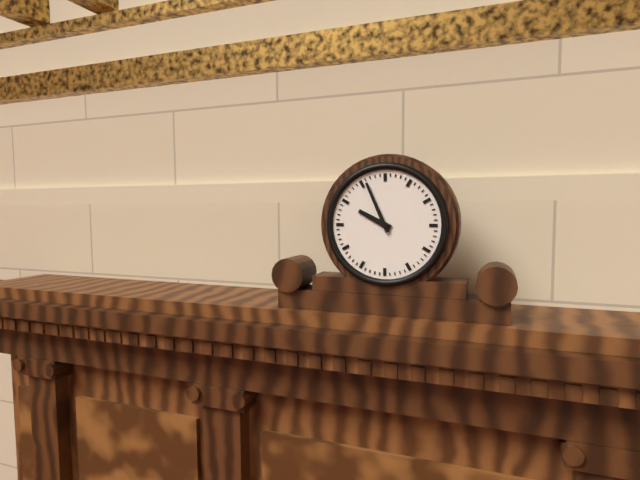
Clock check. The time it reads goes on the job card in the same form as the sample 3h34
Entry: 9h56
